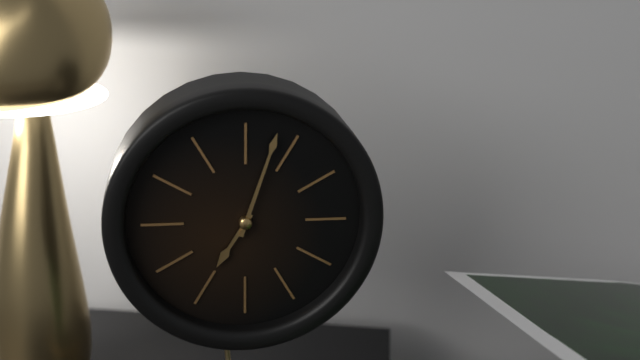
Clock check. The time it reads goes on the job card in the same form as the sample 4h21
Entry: 7h03
